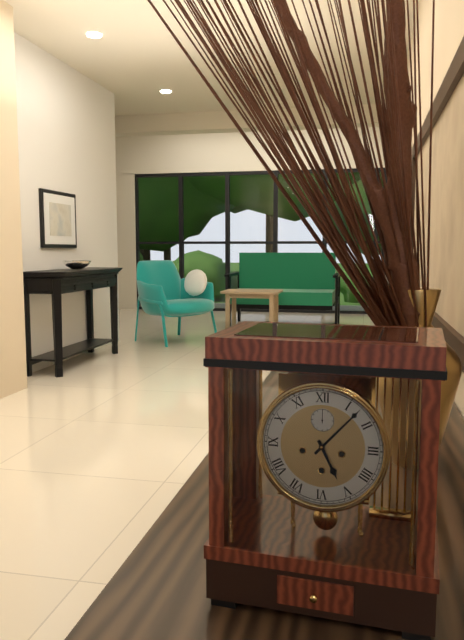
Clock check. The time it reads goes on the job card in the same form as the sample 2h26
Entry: 5h07
